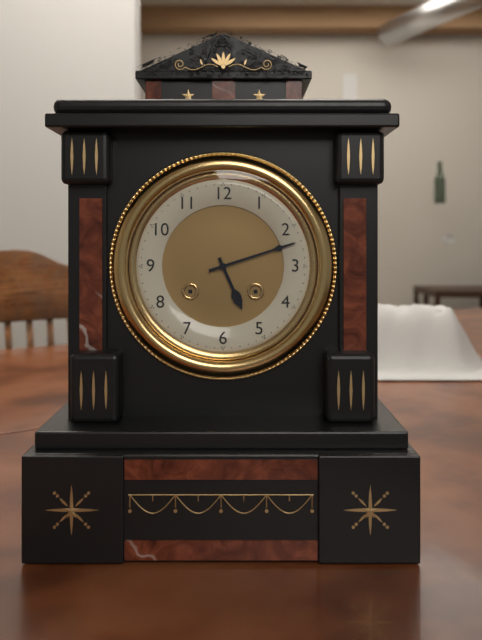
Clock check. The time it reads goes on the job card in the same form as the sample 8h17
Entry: 5h12
